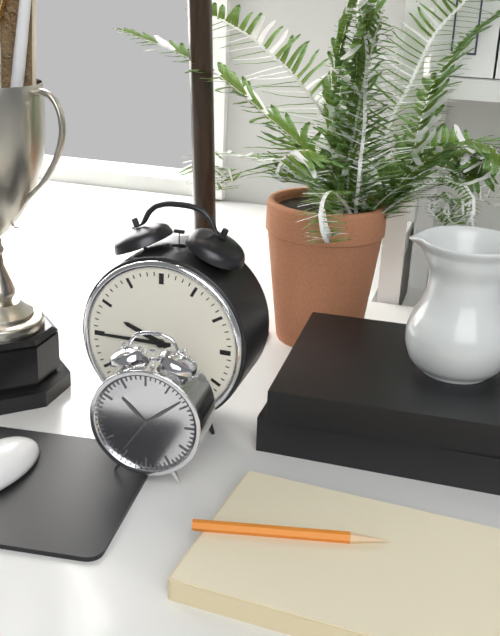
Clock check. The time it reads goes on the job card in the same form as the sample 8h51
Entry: 9h45
